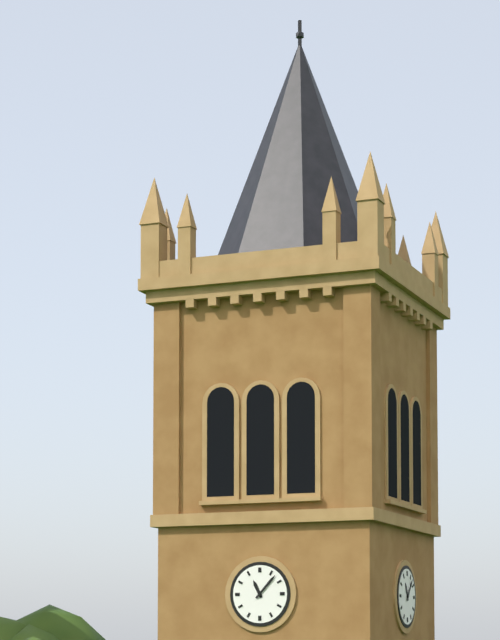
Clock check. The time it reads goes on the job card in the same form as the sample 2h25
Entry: 11h07
